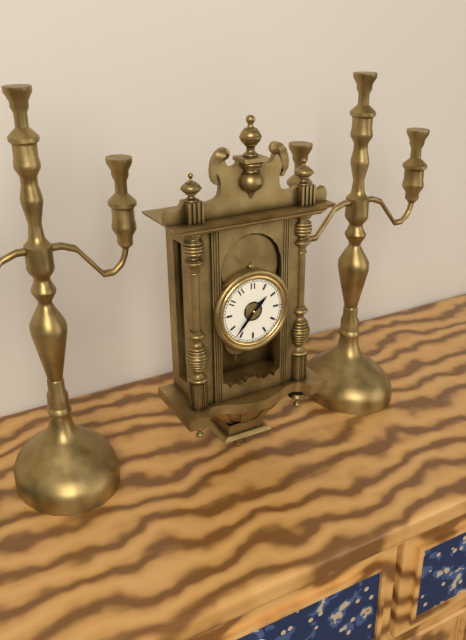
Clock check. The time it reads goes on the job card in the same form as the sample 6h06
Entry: 1h37
